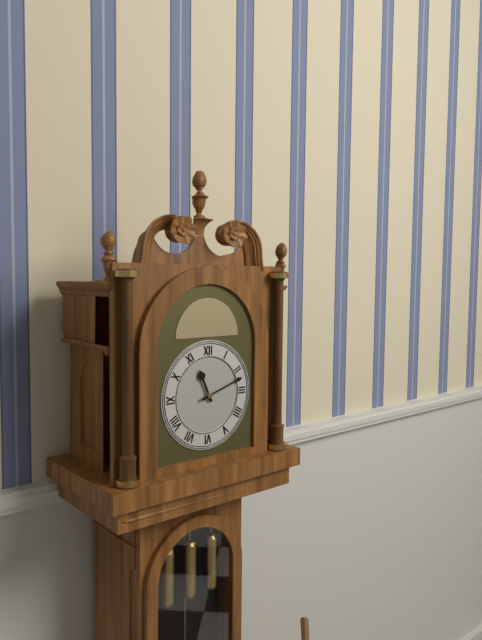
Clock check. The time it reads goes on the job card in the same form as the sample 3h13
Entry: 11h12
